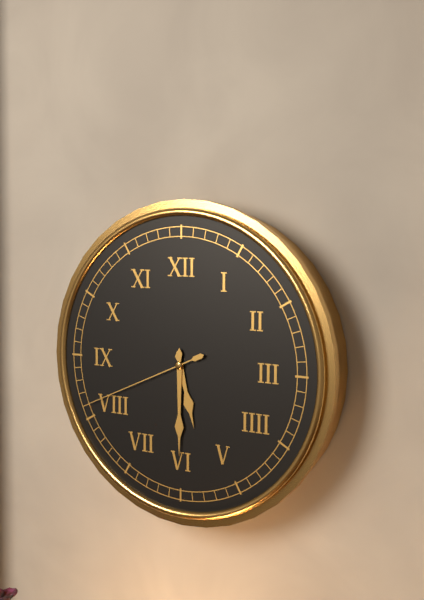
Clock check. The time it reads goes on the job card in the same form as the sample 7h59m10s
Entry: 5h30m41s
